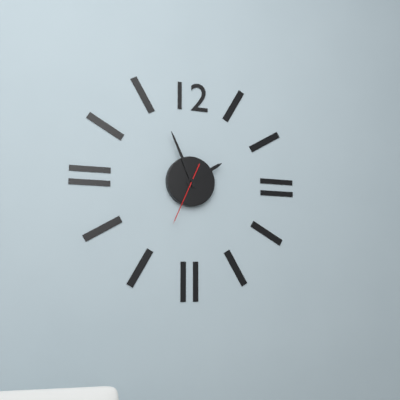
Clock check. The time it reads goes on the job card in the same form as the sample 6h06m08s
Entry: 1h56m34s
